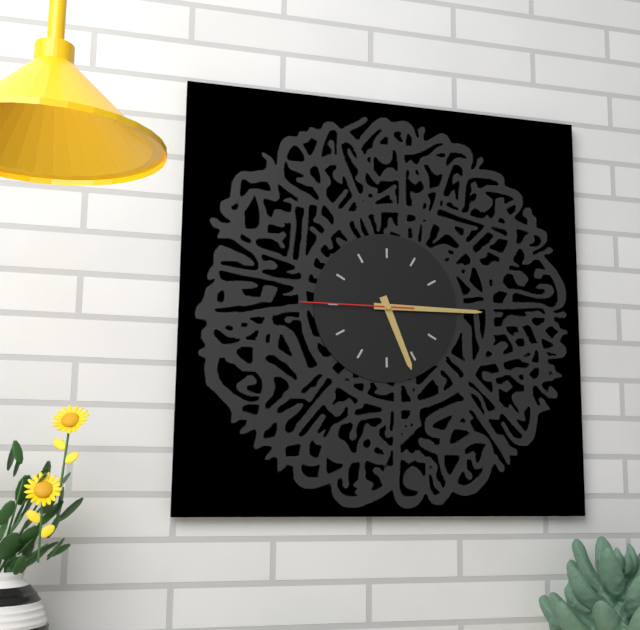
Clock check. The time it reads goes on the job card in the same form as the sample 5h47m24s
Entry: 5h15m45s
